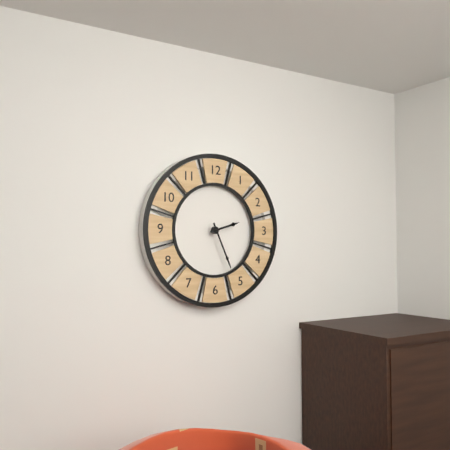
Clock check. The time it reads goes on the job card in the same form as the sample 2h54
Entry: 2h26
